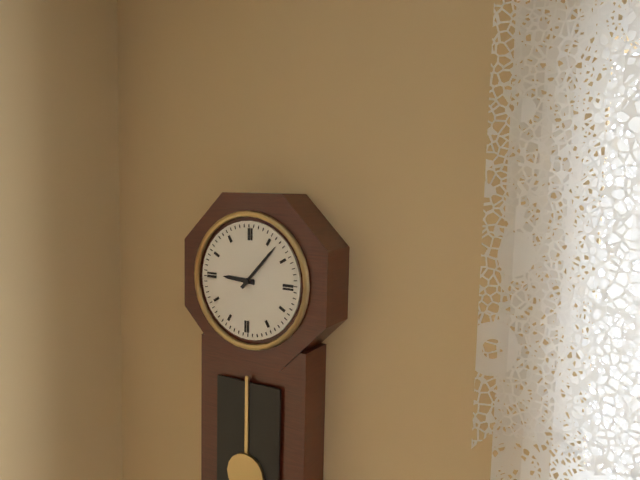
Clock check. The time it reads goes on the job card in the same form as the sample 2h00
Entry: 9h07
